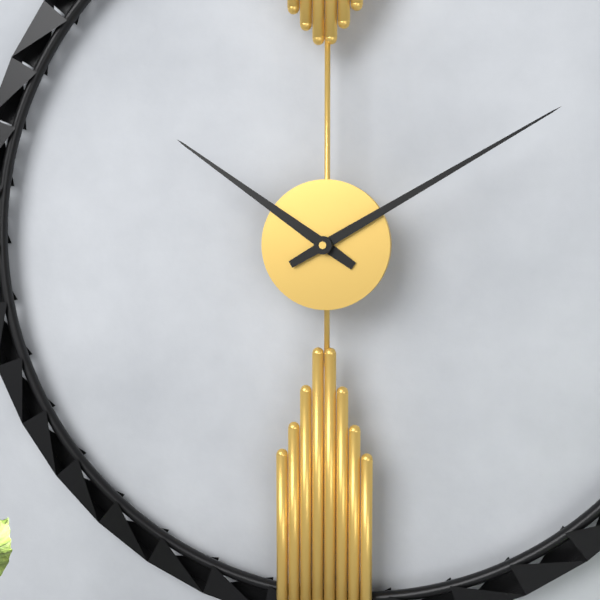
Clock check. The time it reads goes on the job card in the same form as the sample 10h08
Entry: 10h10
